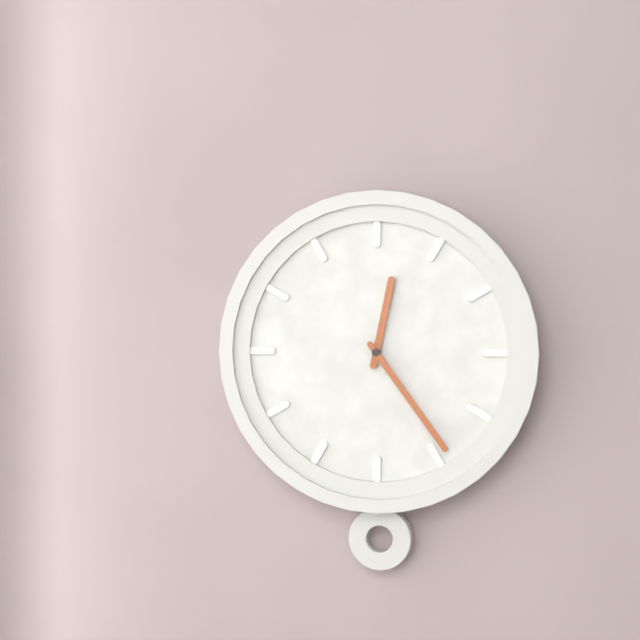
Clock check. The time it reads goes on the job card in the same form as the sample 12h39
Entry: 12h24
